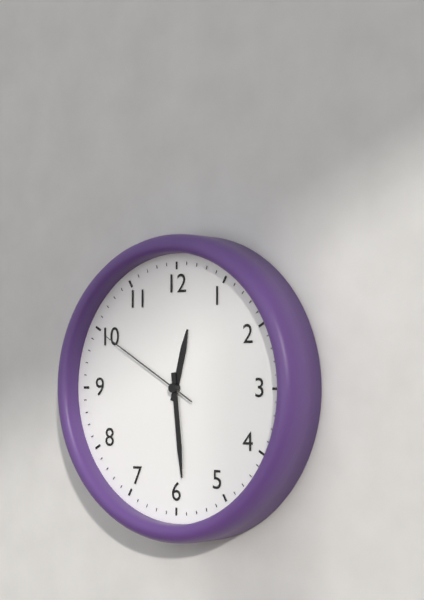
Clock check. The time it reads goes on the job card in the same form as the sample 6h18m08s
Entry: 12h29m50s
